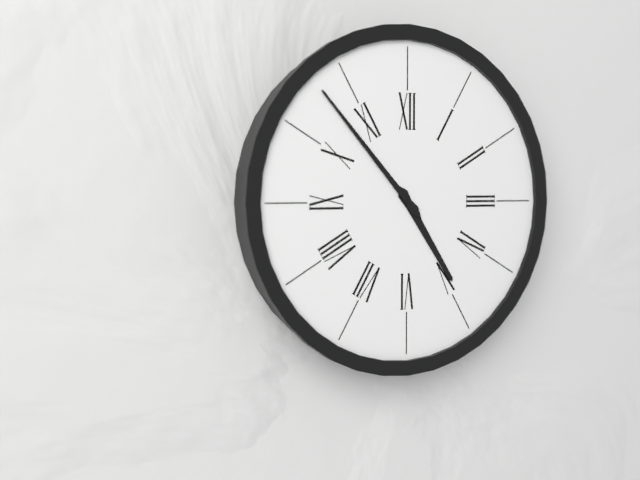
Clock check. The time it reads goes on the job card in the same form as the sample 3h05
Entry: 4h53
